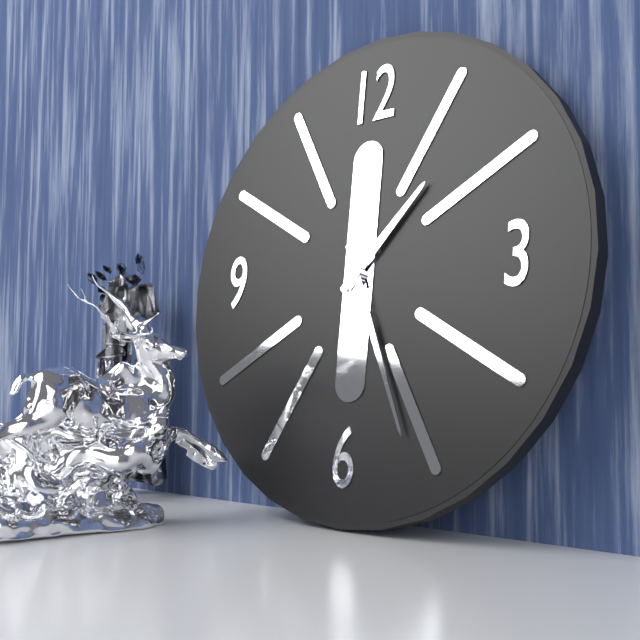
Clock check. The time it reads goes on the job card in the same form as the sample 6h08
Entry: 1h26
